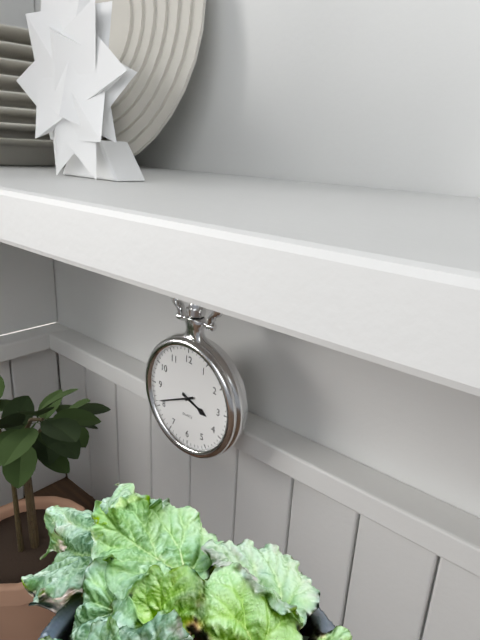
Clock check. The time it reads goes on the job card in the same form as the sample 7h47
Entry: 3h41
